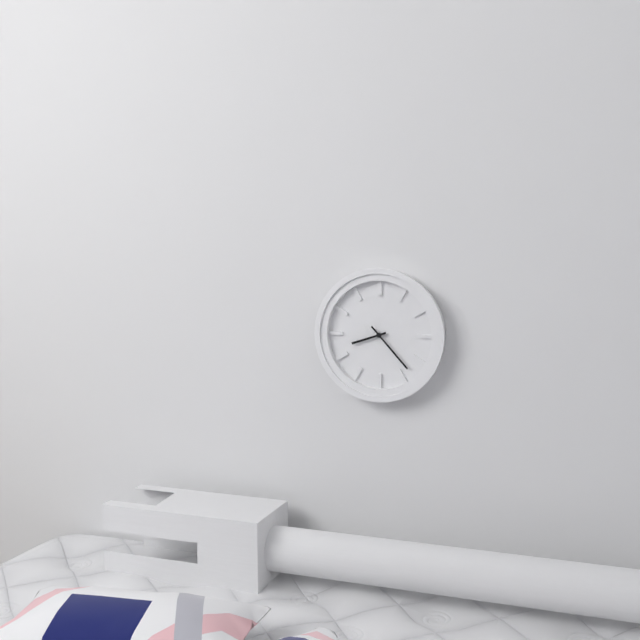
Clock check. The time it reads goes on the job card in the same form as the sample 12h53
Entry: 8h23
